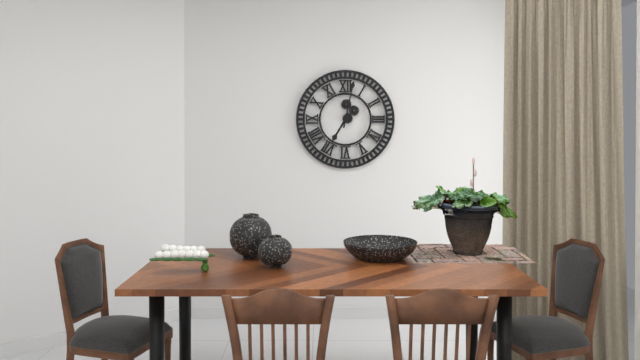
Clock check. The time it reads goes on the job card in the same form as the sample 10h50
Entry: 7h02
